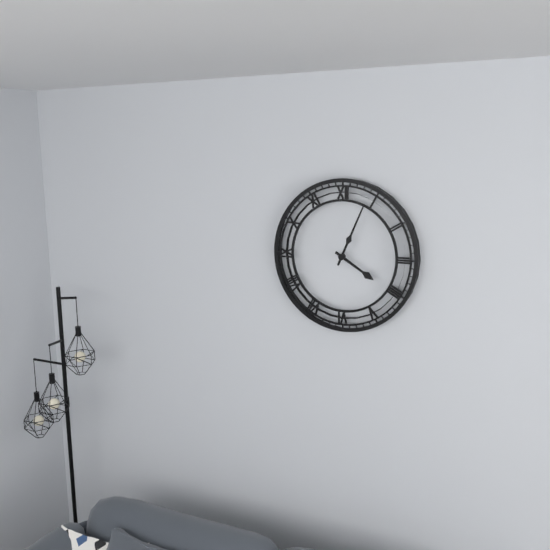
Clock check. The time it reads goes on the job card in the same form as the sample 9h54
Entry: 4h04
